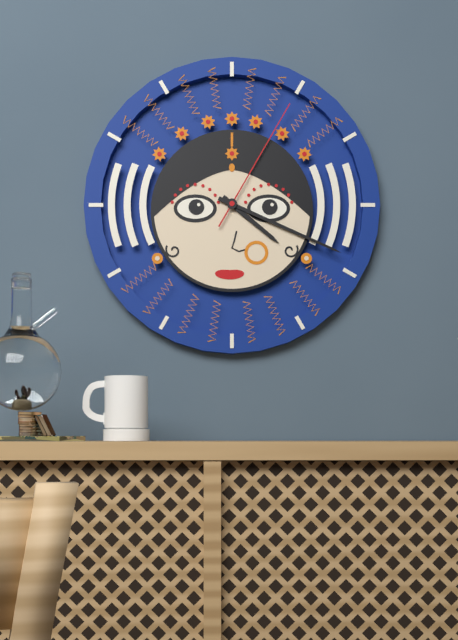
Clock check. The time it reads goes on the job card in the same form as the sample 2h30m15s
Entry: 4h19m05s
